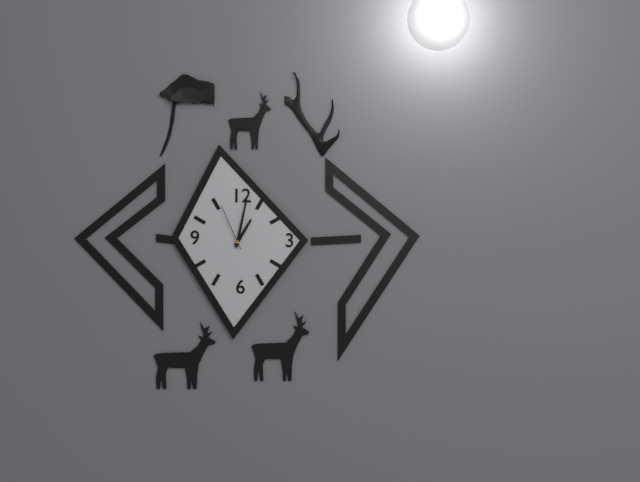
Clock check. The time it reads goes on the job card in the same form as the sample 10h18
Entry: 1h02
